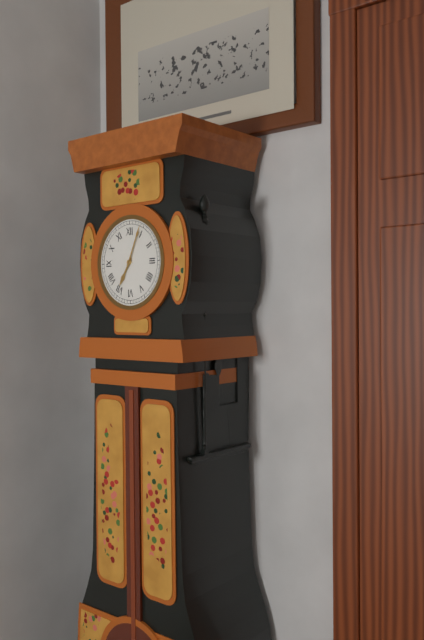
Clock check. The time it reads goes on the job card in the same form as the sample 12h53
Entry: 7h04
